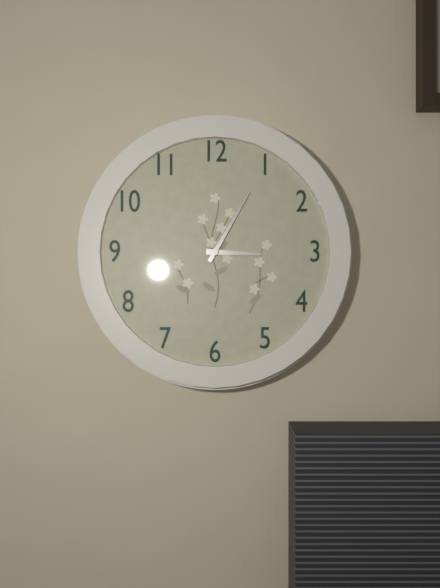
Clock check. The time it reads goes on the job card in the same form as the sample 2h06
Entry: 3h05
